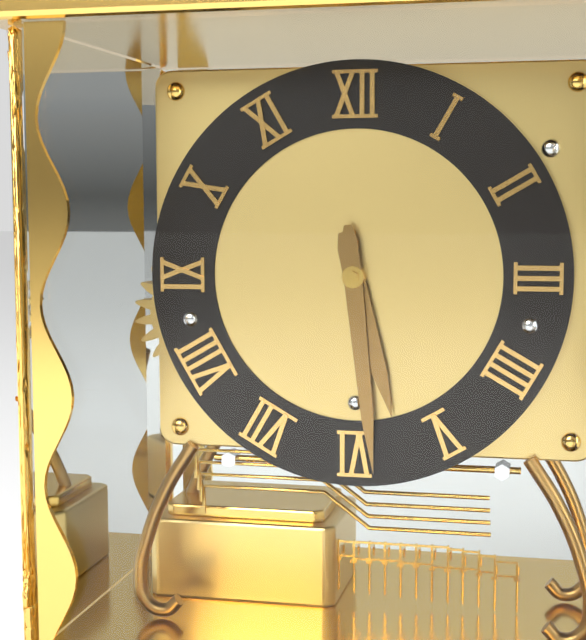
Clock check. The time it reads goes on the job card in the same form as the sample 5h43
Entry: 5h29
